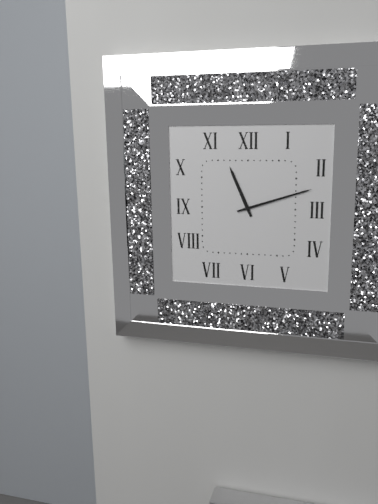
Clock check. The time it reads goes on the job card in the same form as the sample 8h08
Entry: 11h12
